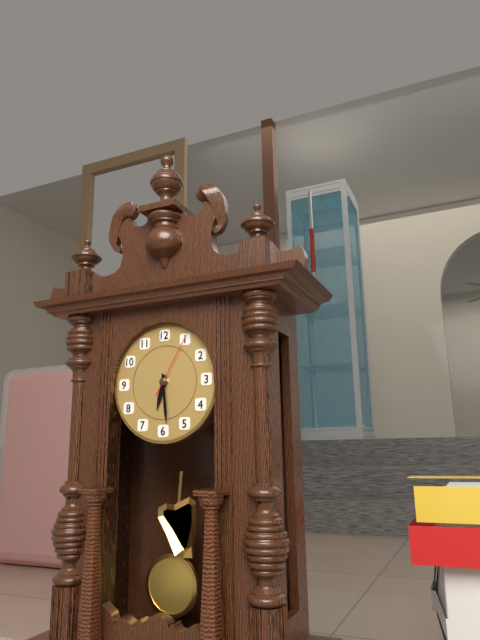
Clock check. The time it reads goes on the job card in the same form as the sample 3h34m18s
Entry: 6h29m05s
